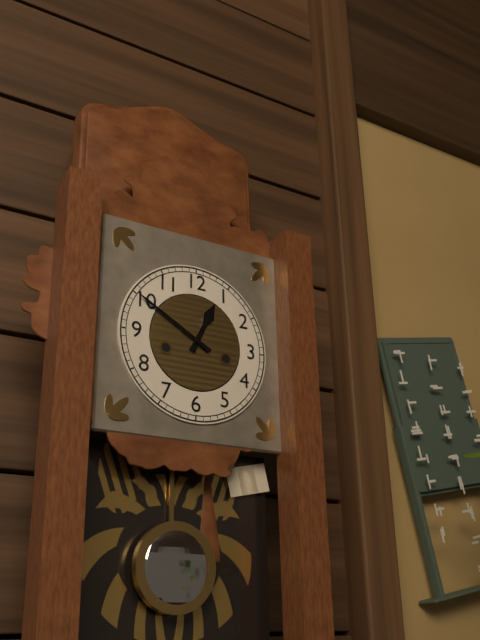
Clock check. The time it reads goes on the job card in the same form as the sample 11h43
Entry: 12h50
